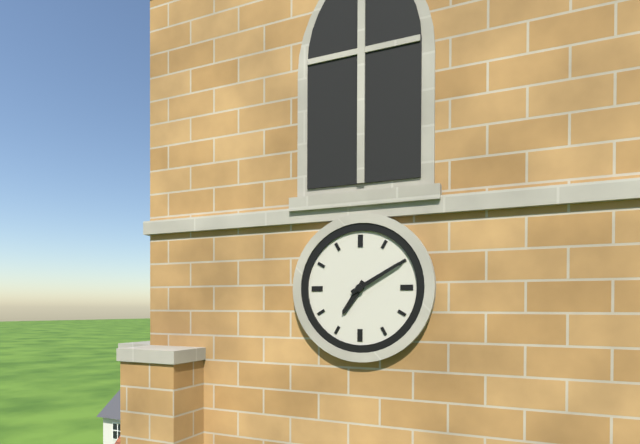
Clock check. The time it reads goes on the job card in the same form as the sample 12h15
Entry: 7h10
